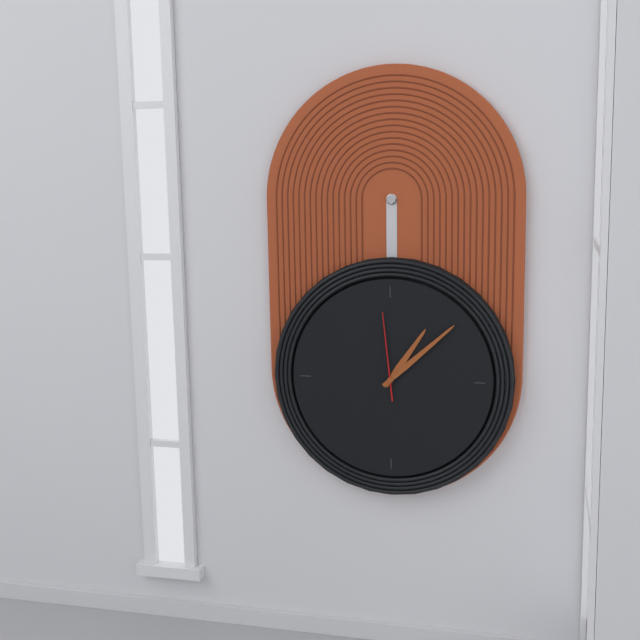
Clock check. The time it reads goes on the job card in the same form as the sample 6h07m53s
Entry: 1h08m59s
